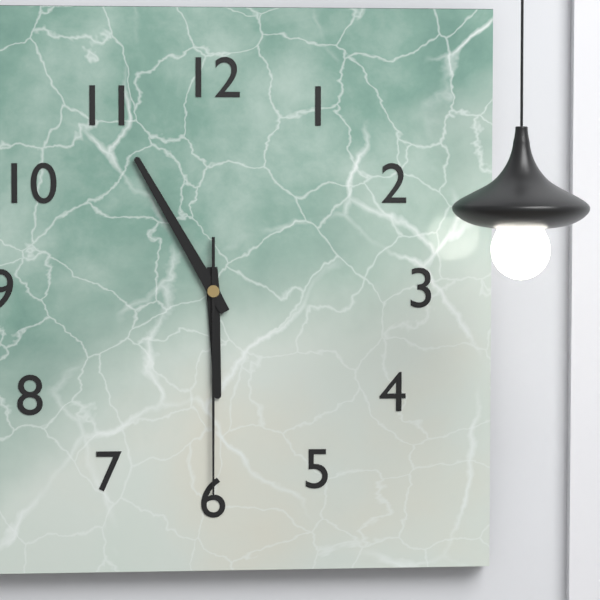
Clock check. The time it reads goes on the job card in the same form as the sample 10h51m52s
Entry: 5h55m30s
